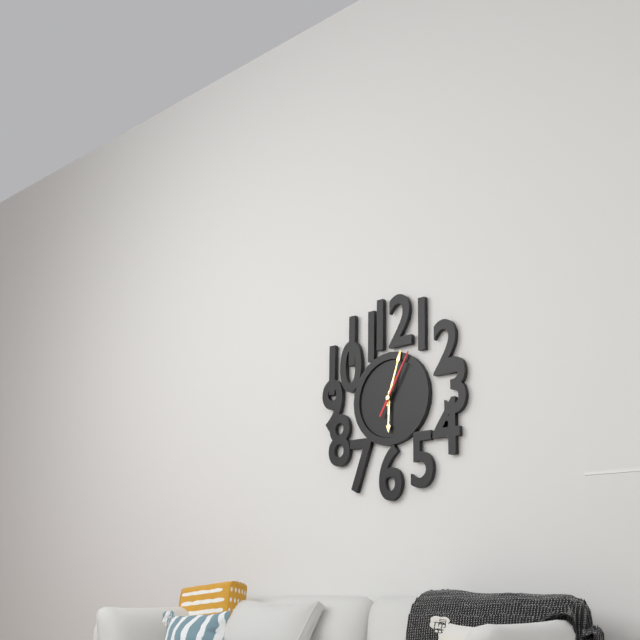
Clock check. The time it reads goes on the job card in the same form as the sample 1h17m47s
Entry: 6h03m05s
